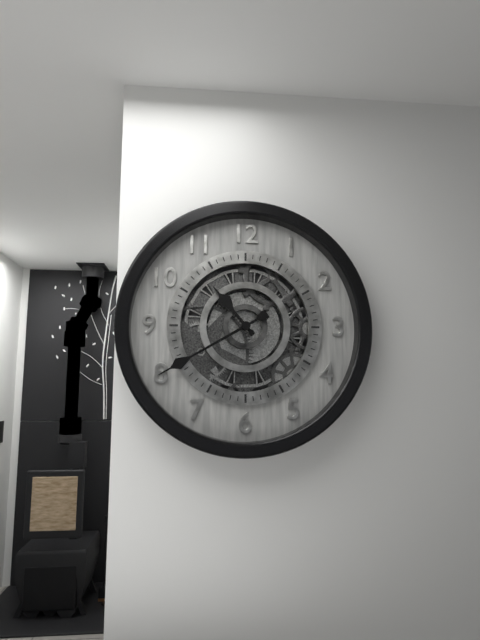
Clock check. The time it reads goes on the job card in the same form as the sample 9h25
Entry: 10h40
